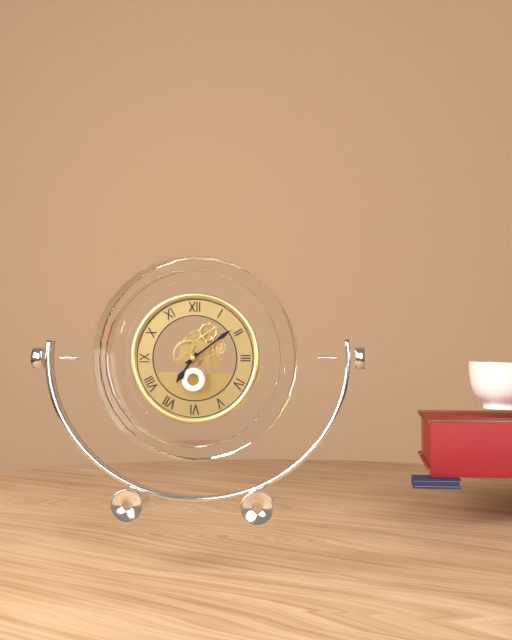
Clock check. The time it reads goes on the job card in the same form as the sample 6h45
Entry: 7h09
